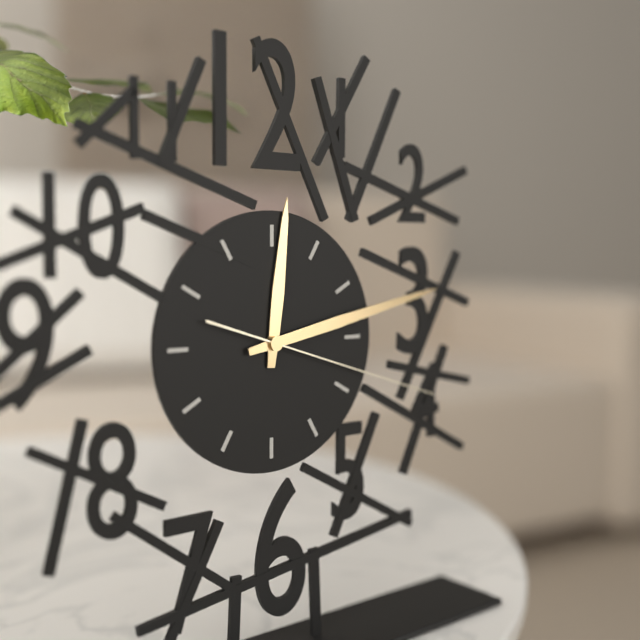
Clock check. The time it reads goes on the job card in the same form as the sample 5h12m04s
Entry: 12h13m18s
